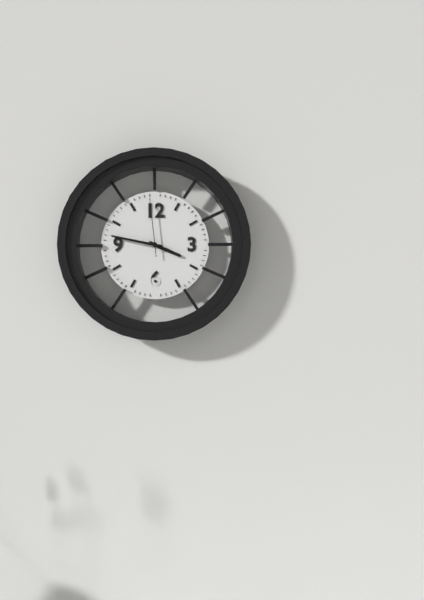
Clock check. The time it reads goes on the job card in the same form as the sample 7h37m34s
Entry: 3h47m59s
